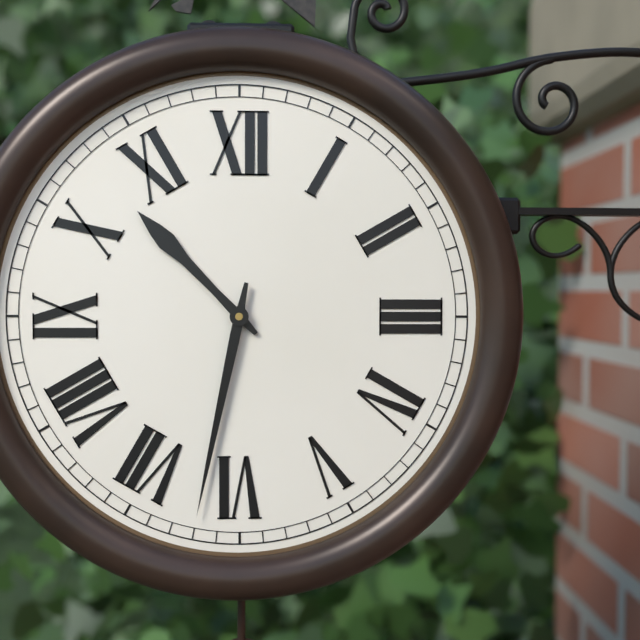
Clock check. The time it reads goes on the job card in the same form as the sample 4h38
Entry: 10h32
